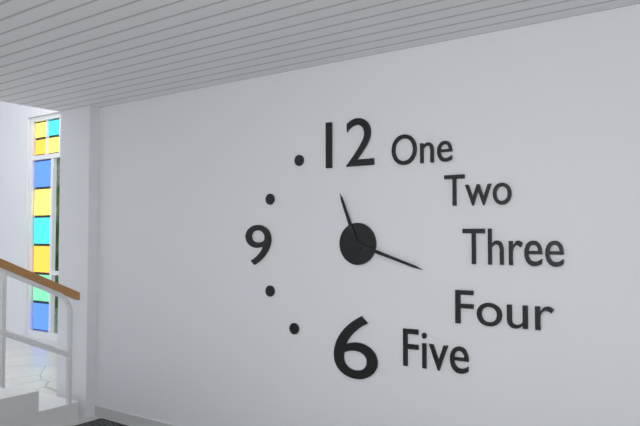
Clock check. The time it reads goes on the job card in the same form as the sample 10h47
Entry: 11h18
